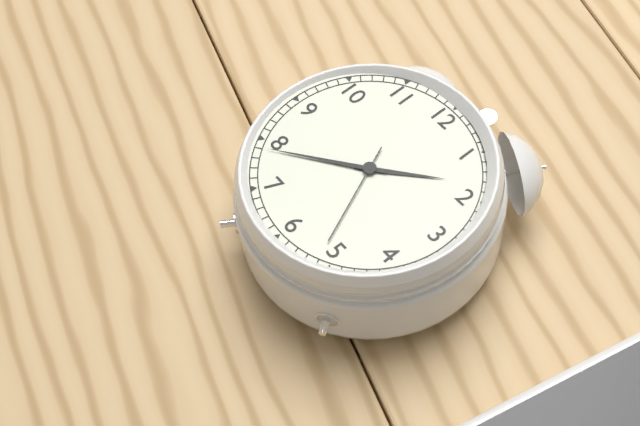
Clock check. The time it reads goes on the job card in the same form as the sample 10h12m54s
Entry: 1h39m26s
